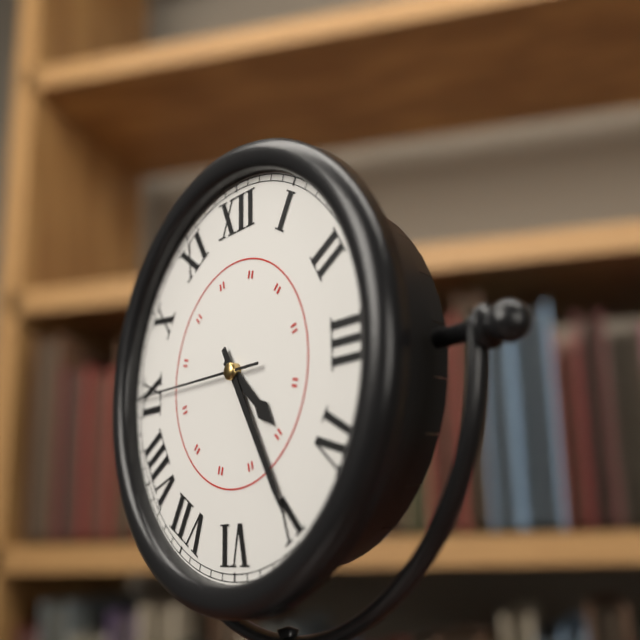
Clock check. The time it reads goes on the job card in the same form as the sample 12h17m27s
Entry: 4h25m45s
